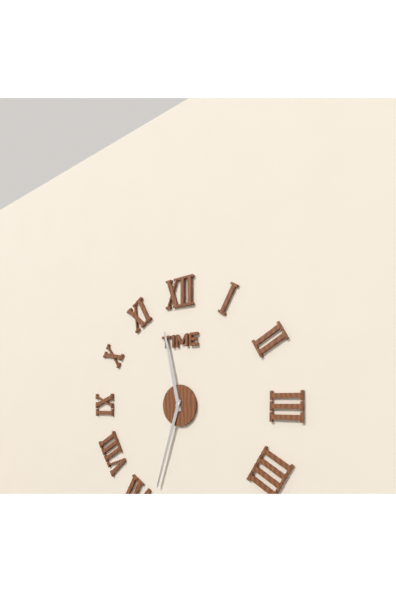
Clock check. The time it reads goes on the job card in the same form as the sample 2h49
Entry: 11h33
